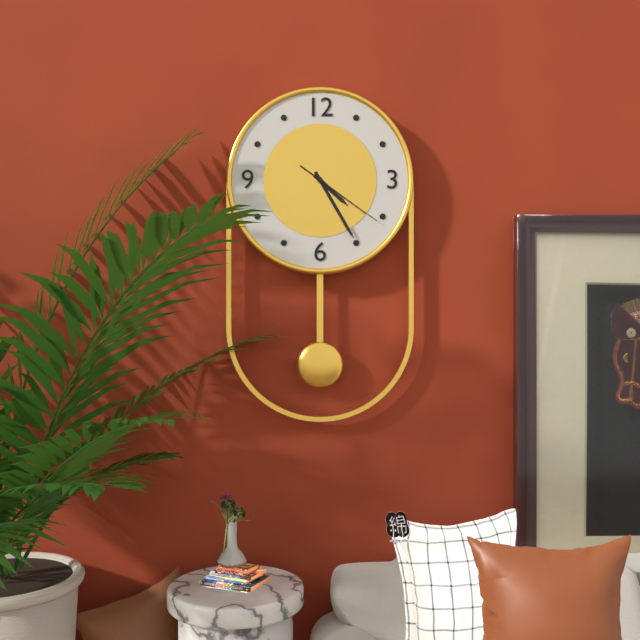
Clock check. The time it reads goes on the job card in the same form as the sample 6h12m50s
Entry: 4h25m21s
